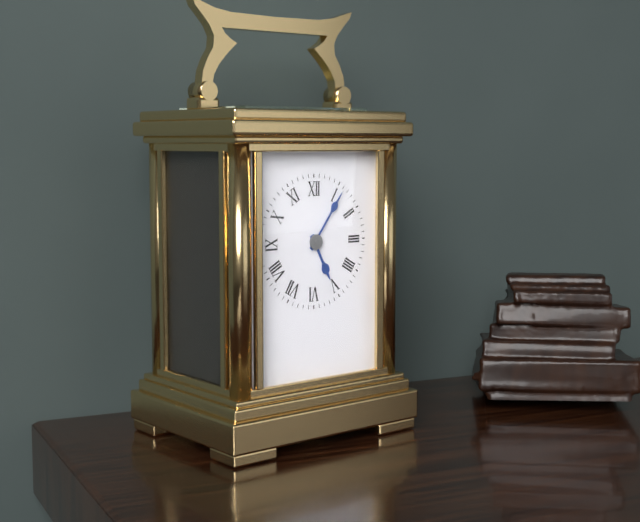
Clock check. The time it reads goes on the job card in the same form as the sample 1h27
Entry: 5h06
